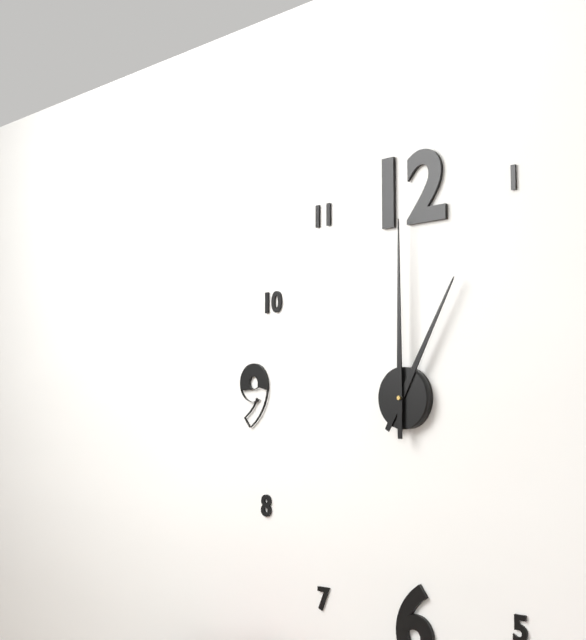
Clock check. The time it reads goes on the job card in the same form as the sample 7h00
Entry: 1h00
